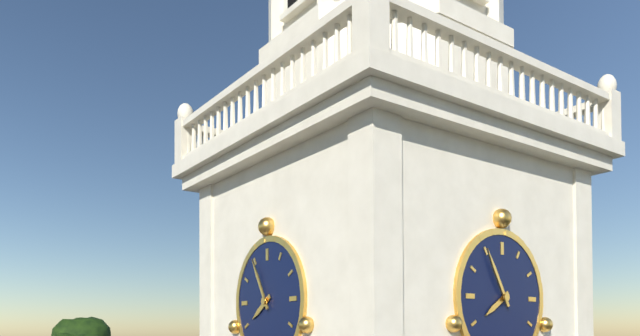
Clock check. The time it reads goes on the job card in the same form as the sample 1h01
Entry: 7h55
